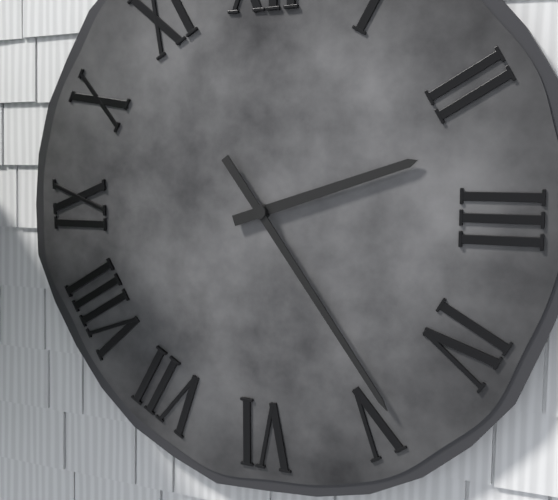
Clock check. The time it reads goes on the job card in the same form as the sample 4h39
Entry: 2h24
